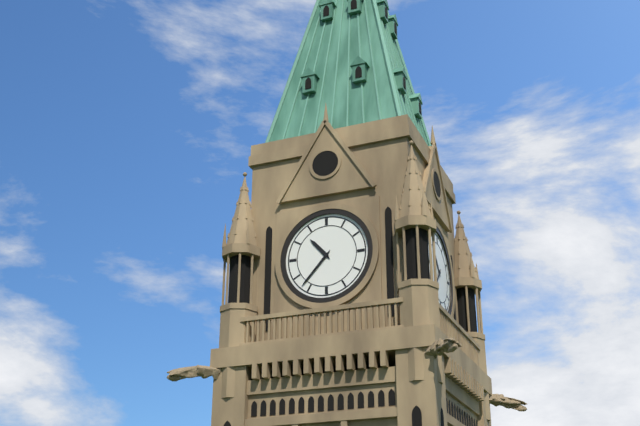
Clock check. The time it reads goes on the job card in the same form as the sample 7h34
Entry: 10h37
